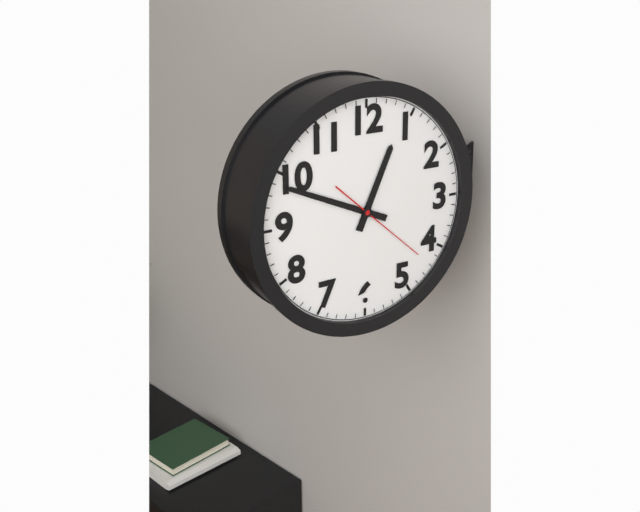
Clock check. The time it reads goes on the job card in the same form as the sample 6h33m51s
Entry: 12h49m22s
